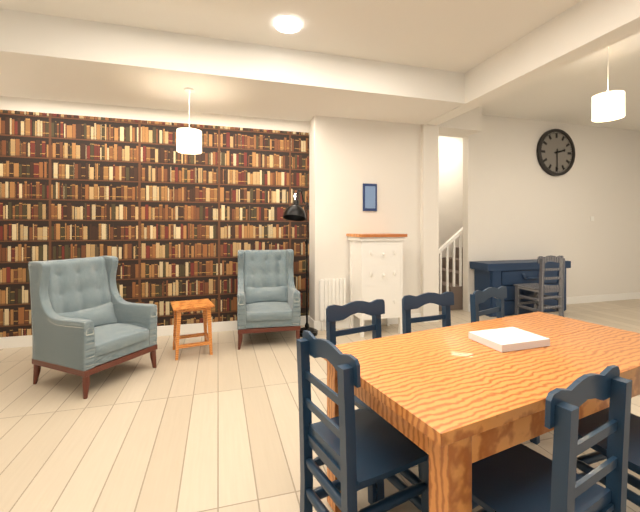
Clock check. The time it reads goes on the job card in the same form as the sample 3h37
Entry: 2h30
